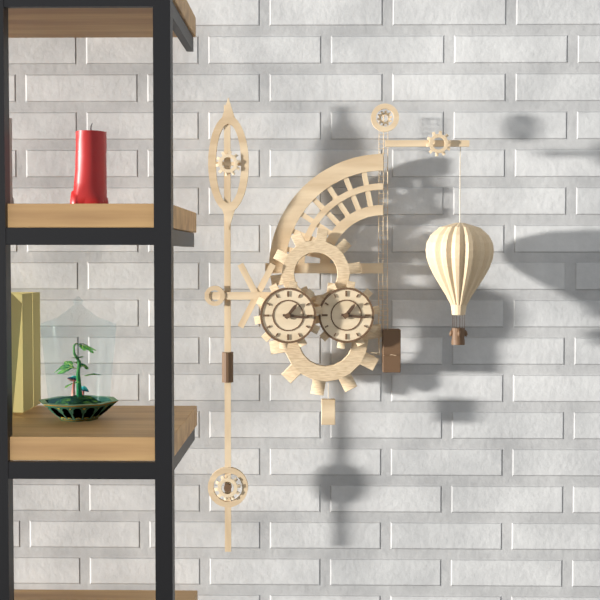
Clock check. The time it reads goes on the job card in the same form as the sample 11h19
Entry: 1h16
